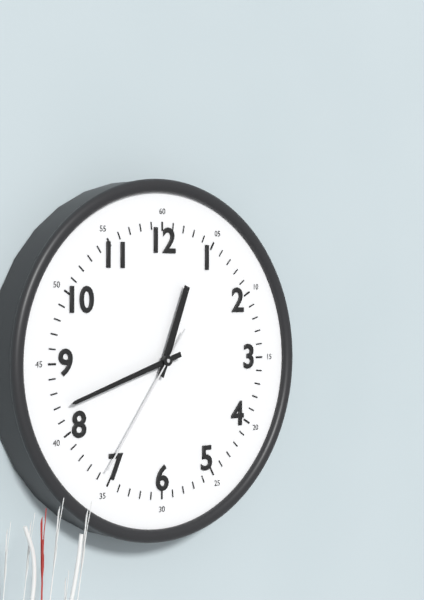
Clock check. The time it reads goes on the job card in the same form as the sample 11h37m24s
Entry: 12h42m36s
